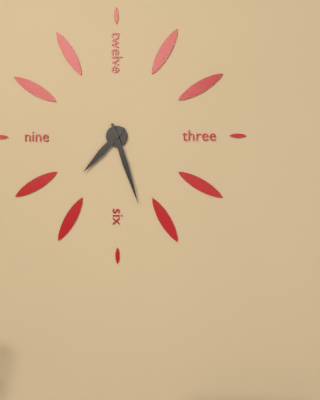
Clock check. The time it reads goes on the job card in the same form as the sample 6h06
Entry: 7h27
